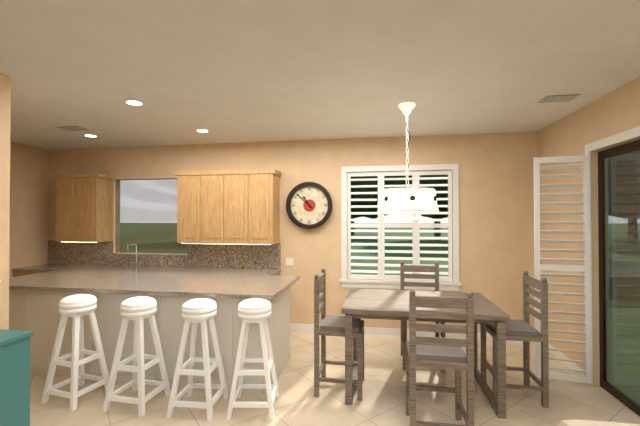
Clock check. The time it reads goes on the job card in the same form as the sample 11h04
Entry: 10h52
